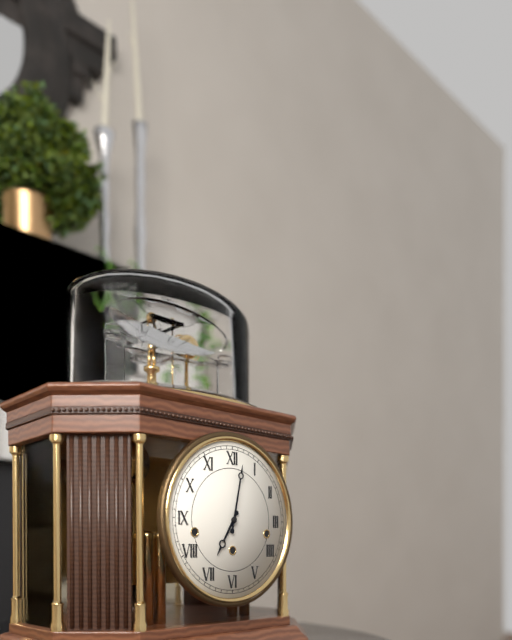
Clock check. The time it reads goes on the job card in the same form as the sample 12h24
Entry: 7h02
